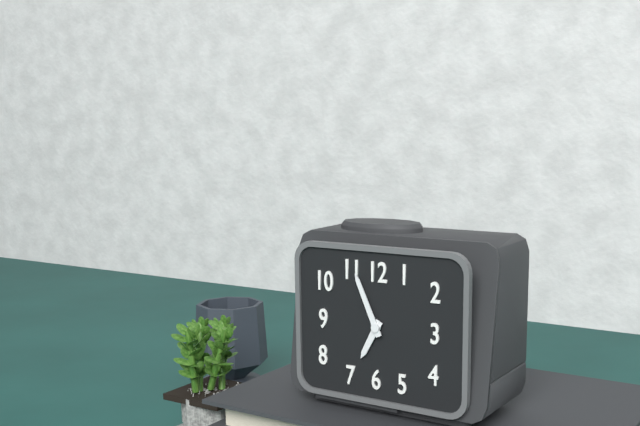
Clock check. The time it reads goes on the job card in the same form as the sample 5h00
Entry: 6h56
